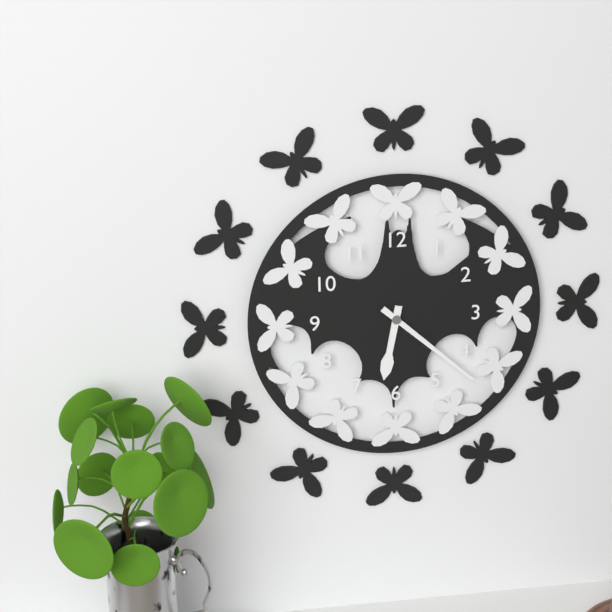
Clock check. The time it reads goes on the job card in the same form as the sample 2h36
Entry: 6h22
